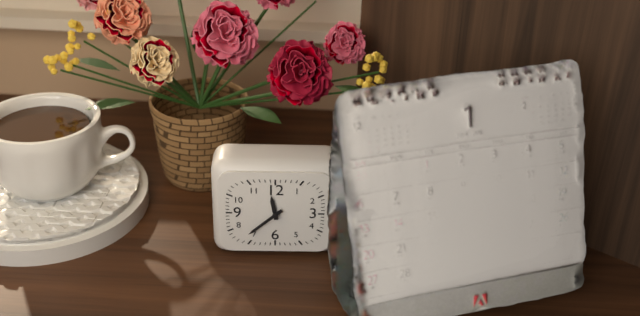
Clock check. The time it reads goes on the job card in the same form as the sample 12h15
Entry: 11h38
